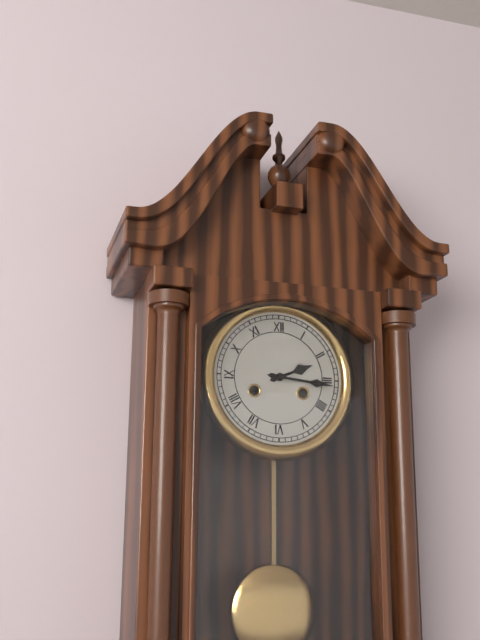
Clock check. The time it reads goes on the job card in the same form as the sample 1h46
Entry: 2h16
